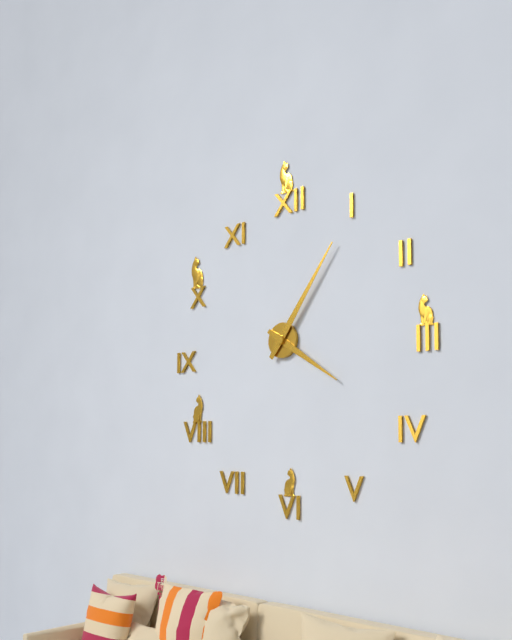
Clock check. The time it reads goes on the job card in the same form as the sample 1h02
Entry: 4h06
